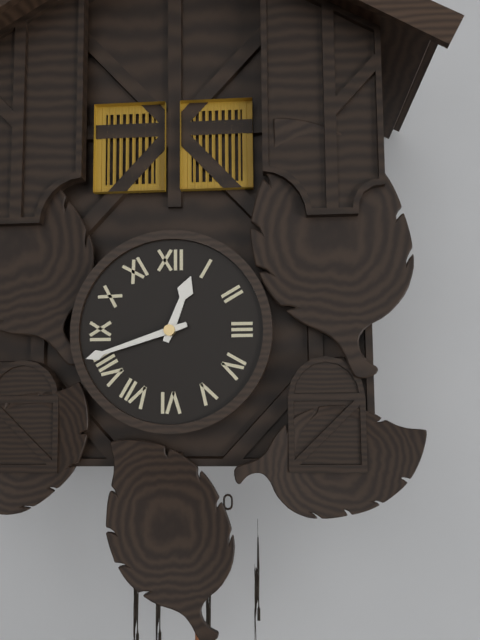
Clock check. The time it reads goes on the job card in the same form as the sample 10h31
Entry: 12h42
